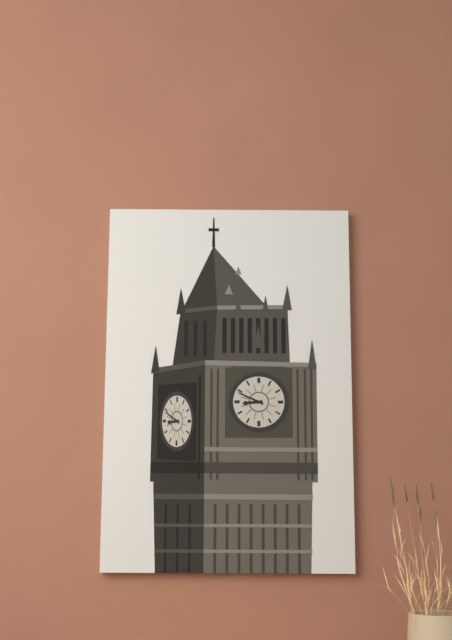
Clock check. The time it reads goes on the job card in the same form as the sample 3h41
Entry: 8h49
